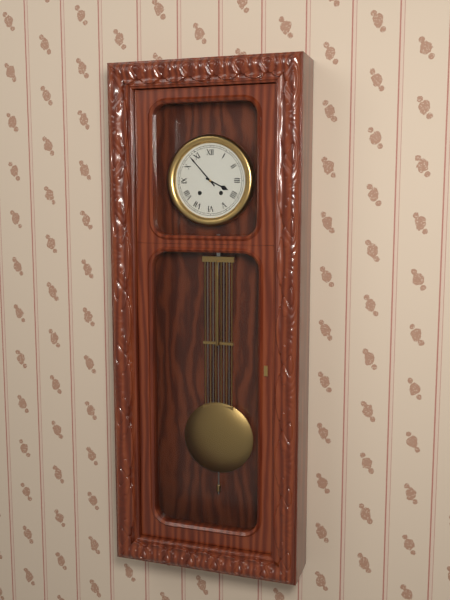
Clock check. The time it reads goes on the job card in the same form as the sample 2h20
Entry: 3h53
